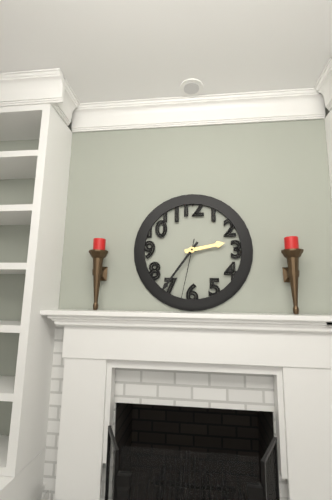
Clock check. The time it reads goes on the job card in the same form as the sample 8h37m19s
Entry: 2h36m32s
